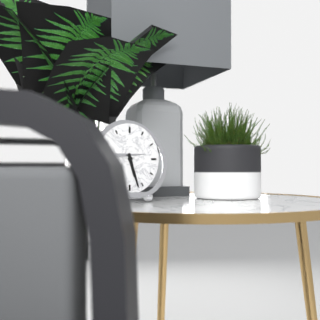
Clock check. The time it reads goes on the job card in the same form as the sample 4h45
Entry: 5h27
